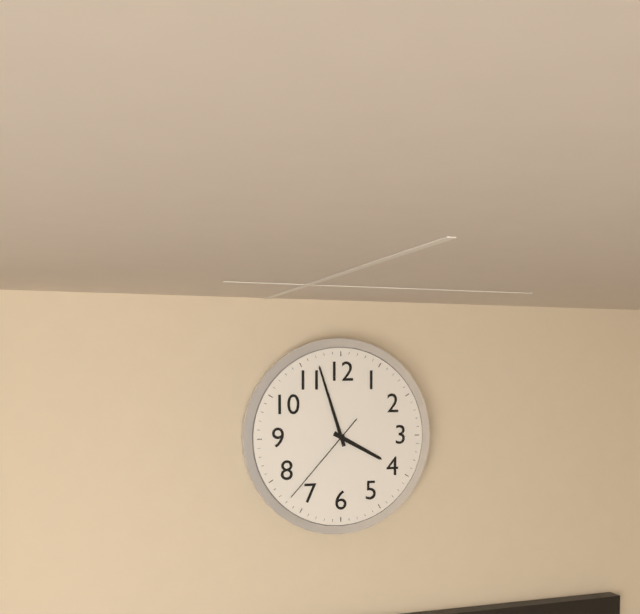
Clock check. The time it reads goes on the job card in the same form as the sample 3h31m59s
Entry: 3h57m37s
